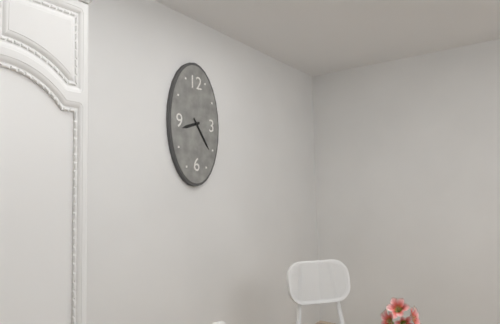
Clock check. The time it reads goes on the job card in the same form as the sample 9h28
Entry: 8h24
